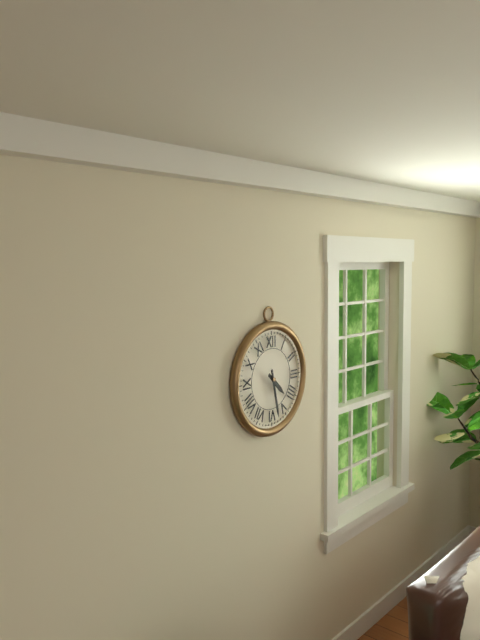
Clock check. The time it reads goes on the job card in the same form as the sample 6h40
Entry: 4h28
